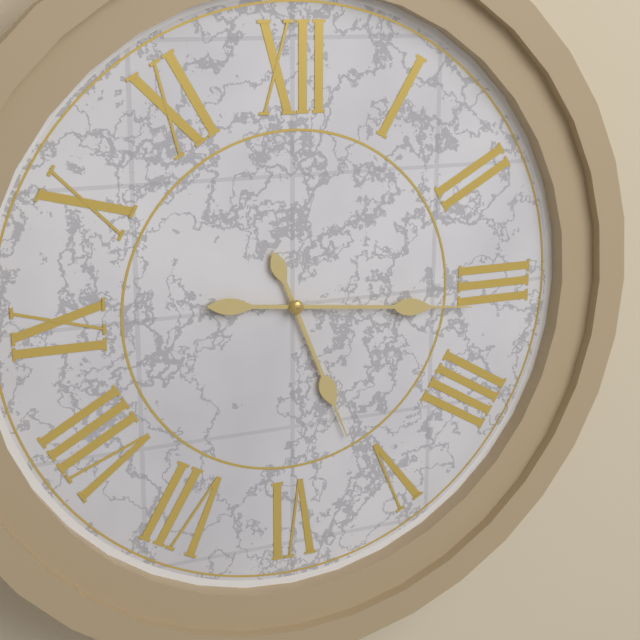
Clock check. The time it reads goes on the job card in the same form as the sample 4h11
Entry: 5h16
